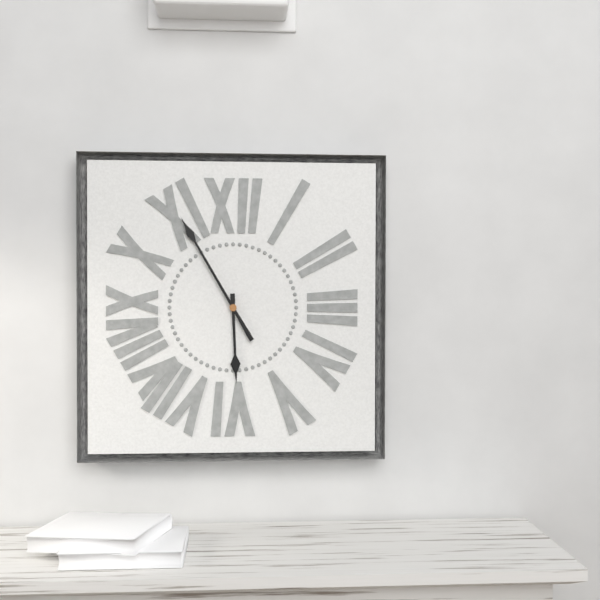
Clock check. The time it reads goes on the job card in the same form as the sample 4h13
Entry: 5h55
